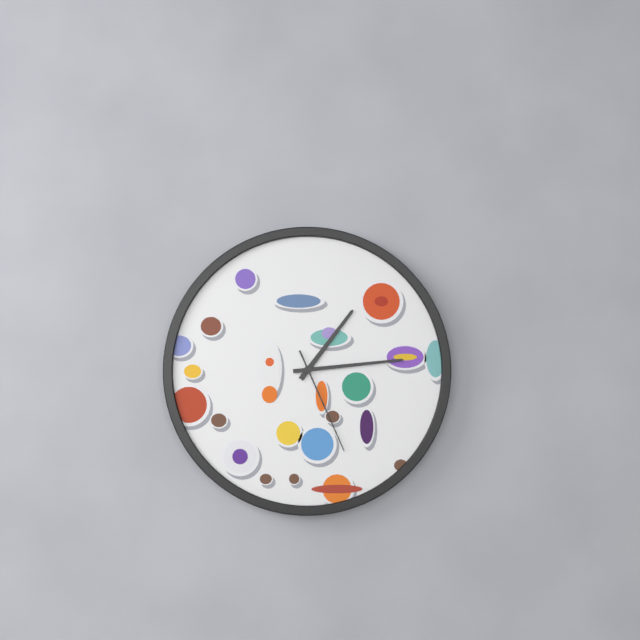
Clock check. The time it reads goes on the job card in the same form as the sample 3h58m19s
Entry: 1h14m26s
